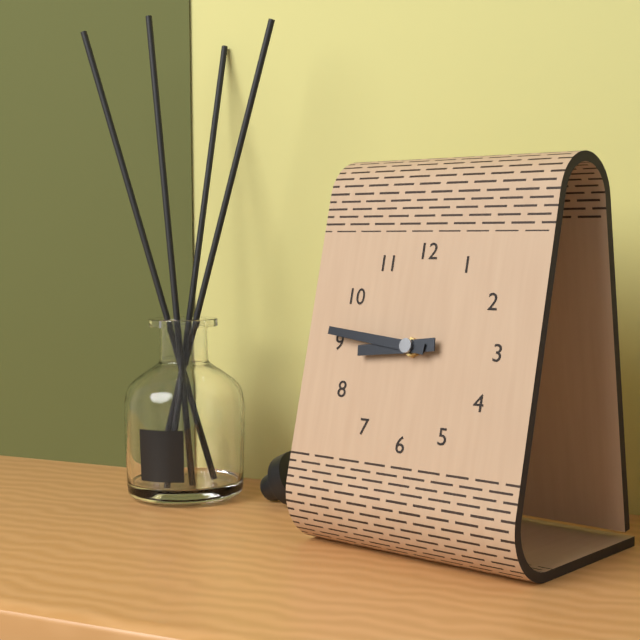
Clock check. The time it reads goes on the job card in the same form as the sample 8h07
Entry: 8h46
